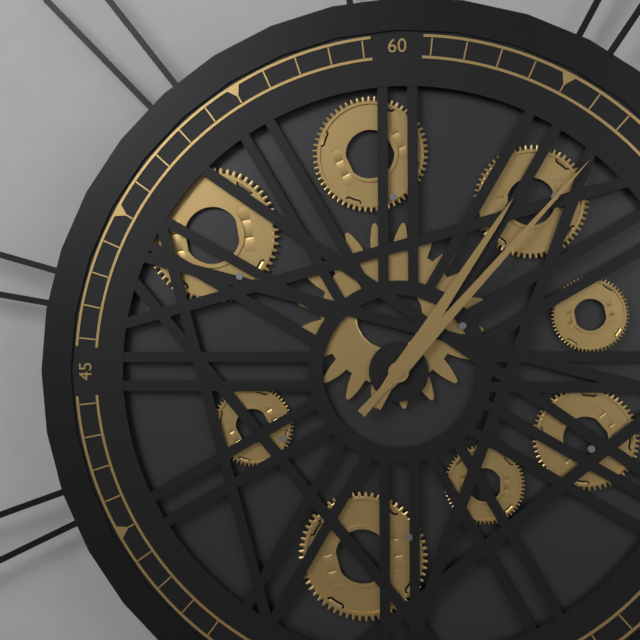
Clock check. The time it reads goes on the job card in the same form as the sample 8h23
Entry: 1h07
